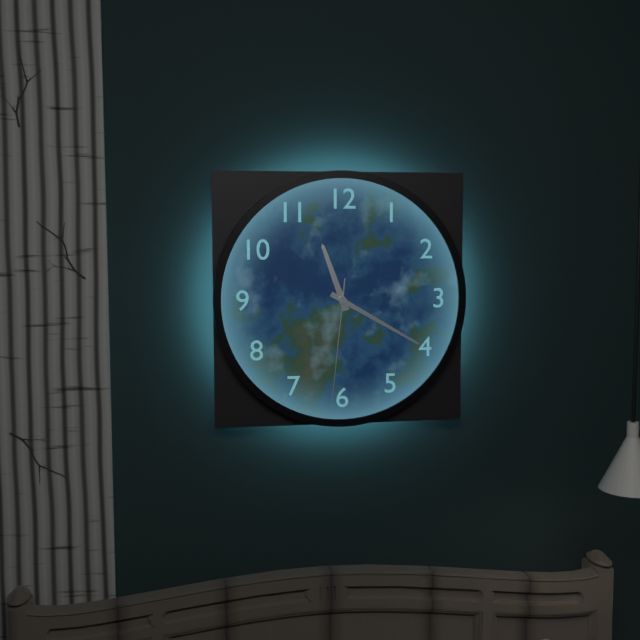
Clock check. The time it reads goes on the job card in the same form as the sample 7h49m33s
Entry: 11h20m31s
